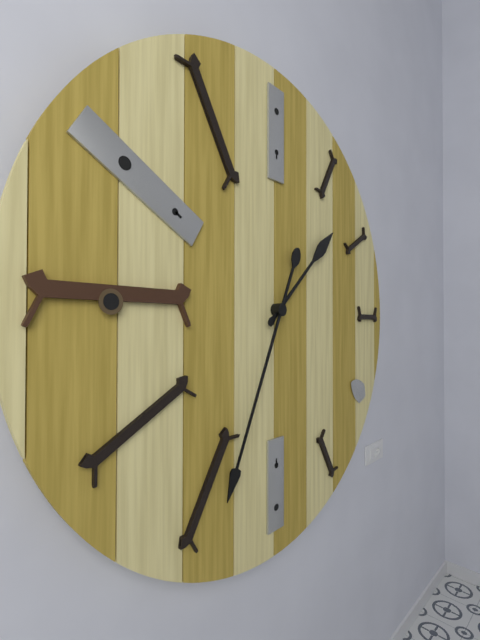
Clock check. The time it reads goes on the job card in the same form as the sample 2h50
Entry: 1h34
